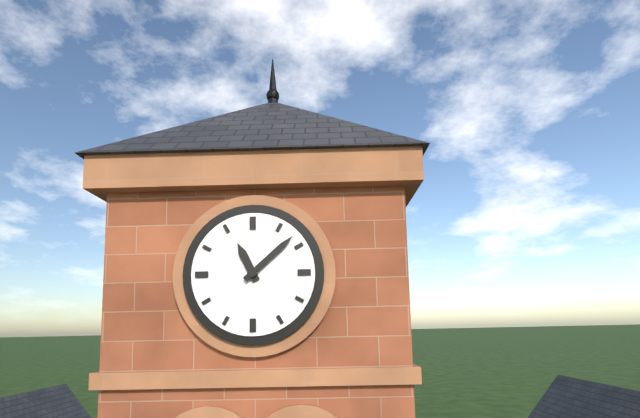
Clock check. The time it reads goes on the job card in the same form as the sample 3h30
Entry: 11h08
